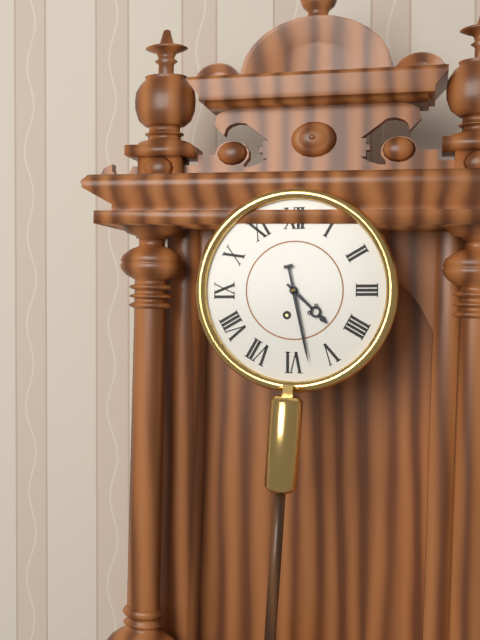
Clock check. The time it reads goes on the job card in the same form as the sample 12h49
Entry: 4h28
